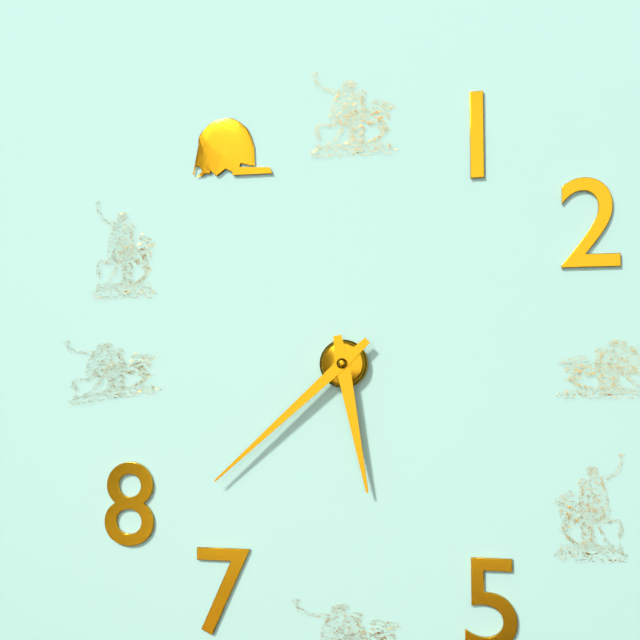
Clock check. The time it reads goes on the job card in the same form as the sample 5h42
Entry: 5h38
